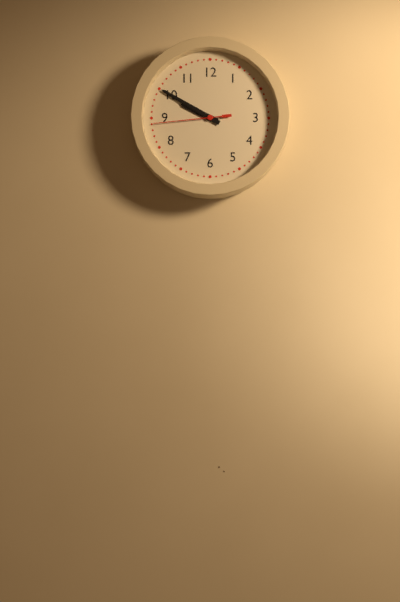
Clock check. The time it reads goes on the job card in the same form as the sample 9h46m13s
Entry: 9h50m44s
